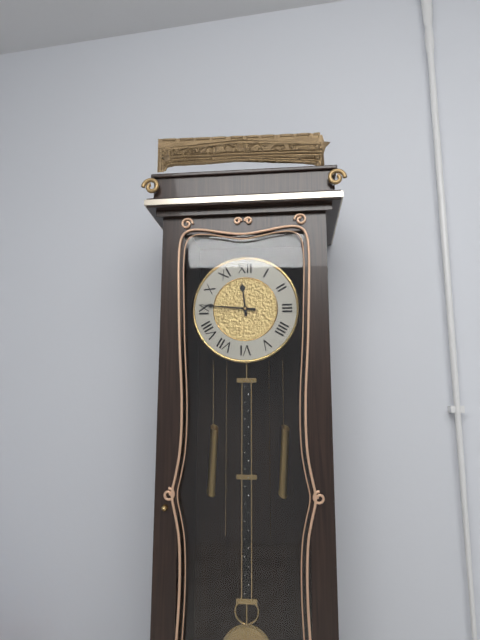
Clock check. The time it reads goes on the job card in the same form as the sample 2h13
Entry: 11h46
